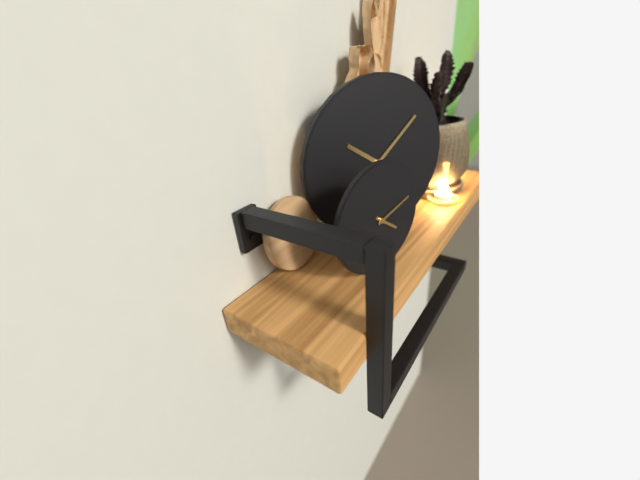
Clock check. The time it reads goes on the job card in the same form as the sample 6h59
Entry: 4h12
